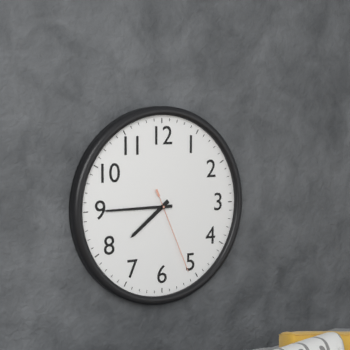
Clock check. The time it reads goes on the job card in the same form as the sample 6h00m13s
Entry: 7h45m26s
